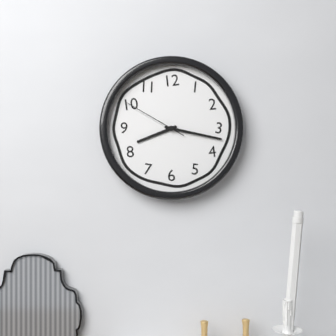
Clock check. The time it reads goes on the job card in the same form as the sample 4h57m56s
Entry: 8h17m50s
